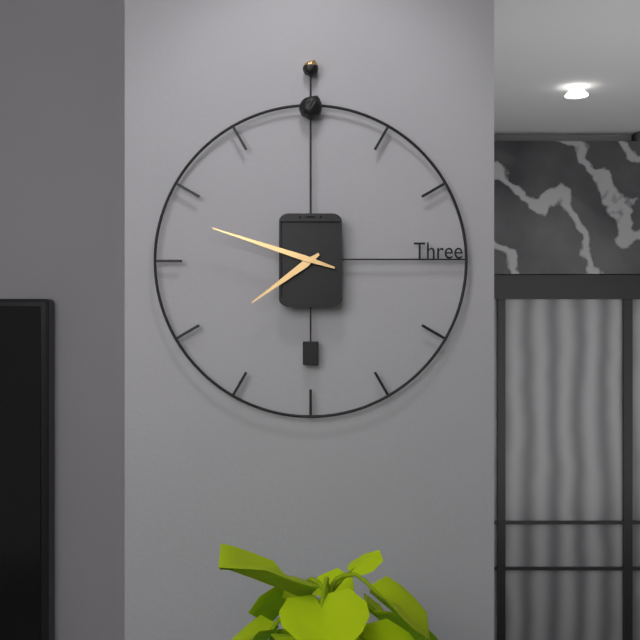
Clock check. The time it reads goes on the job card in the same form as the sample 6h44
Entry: 7h48
